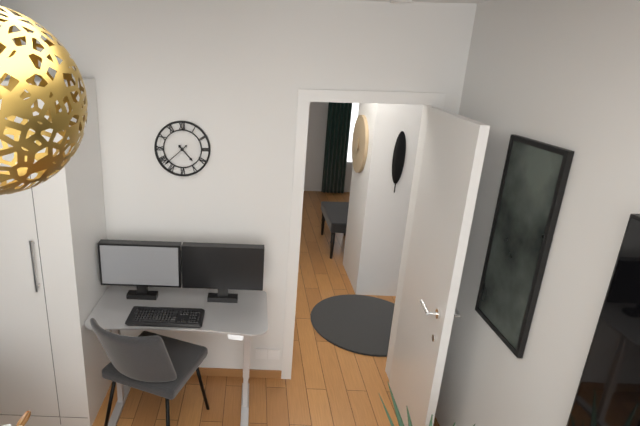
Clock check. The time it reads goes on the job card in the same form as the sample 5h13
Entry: 4h38
